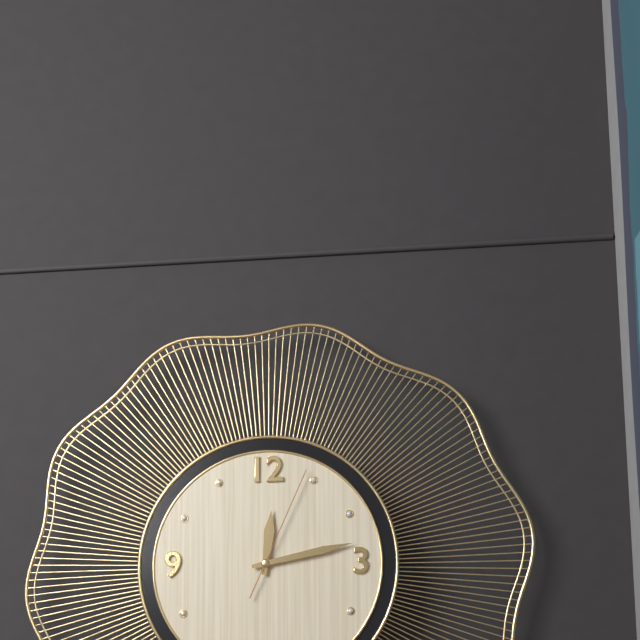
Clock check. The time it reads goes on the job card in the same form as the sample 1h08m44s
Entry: 12h13m04s
